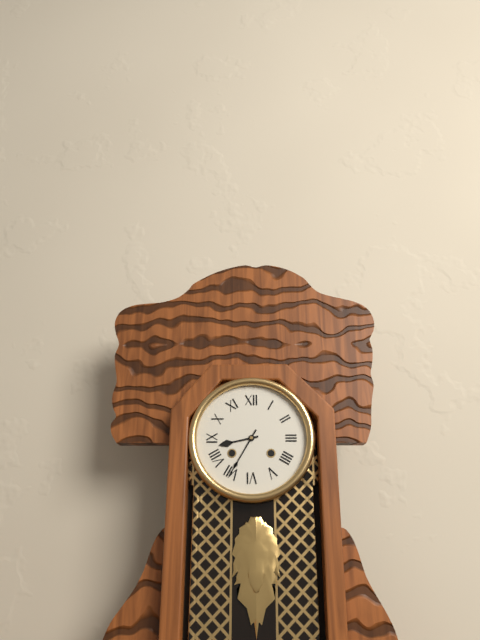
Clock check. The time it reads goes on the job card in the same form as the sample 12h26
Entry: 8h35
